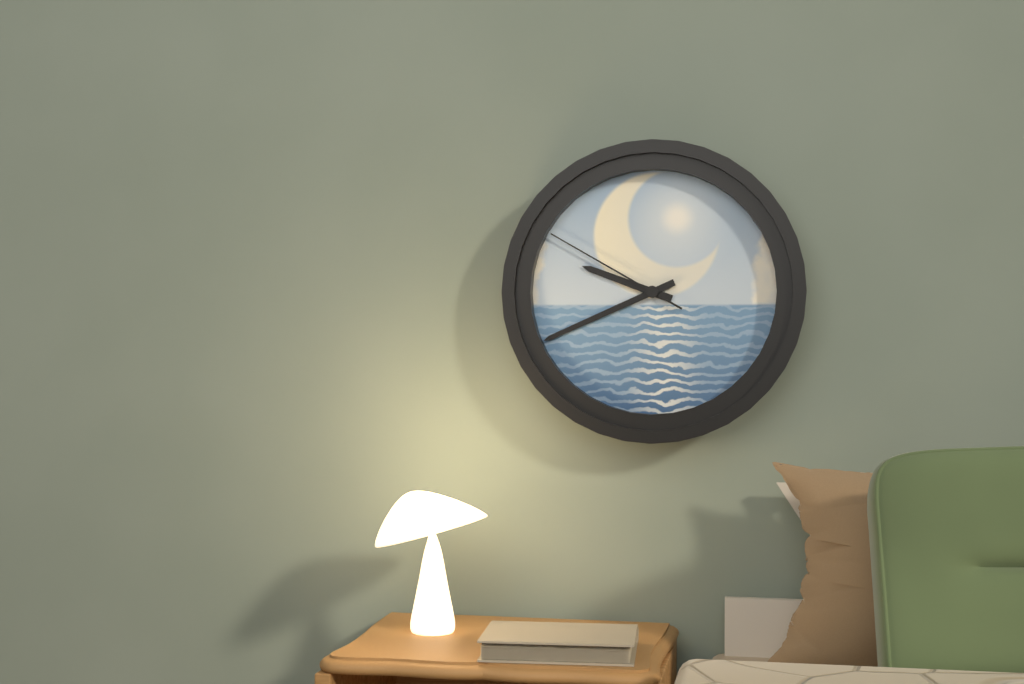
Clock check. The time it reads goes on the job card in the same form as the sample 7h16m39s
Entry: 9h41m50s
